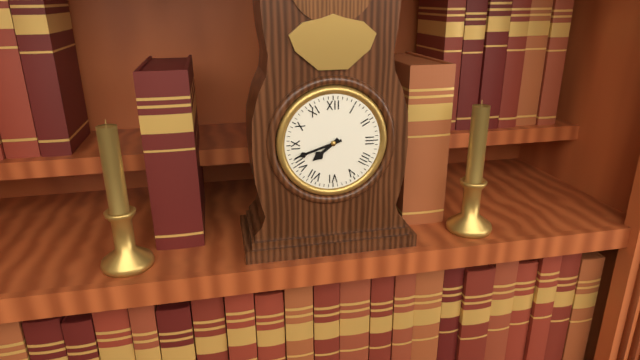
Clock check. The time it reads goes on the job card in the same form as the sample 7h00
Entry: 7h42
